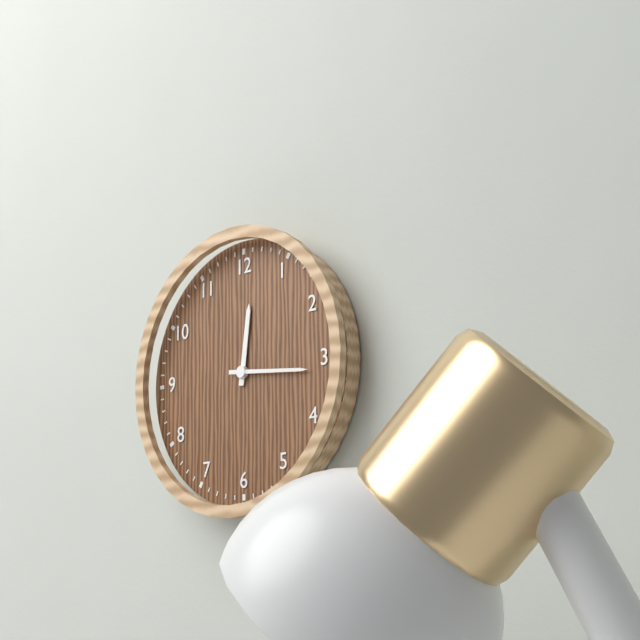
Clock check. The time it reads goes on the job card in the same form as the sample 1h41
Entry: 12h16
